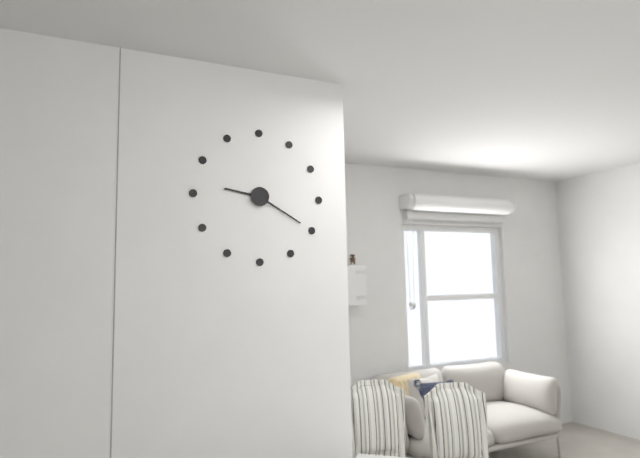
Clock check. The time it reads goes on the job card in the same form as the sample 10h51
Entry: 9h20
